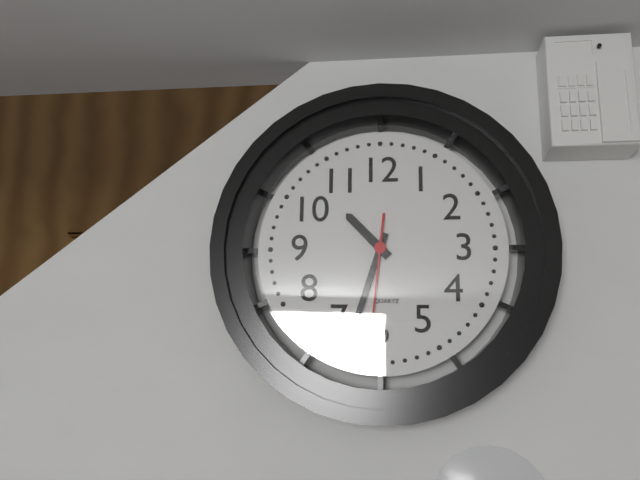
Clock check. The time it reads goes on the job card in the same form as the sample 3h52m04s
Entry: 10h33m31s
